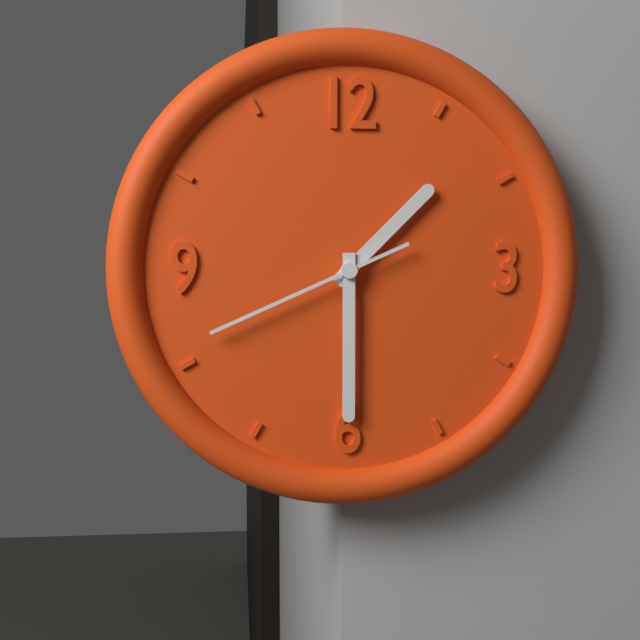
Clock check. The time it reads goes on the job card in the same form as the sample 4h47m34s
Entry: 1h30m41s
